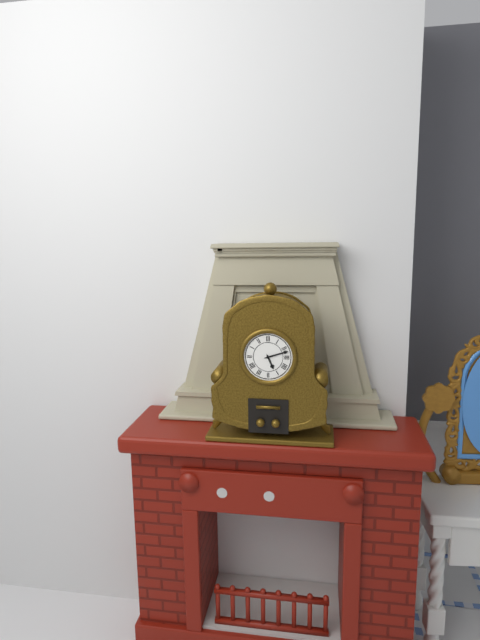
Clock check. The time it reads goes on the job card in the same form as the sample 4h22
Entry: 5h12
